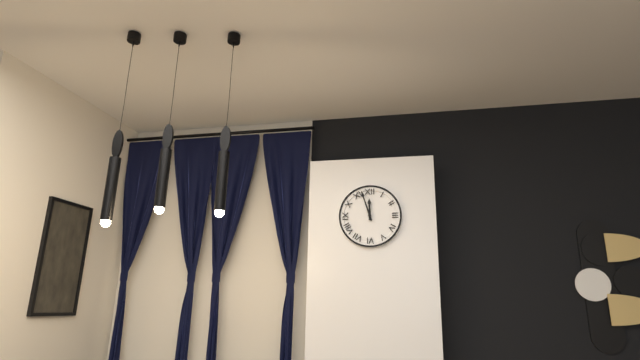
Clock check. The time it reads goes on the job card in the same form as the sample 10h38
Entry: 11h57
